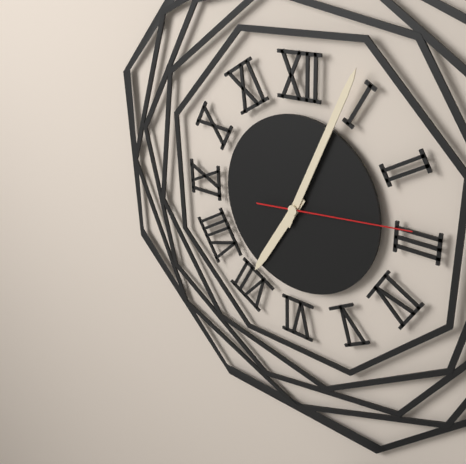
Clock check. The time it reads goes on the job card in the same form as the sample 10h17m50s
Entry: 7h04m14s
